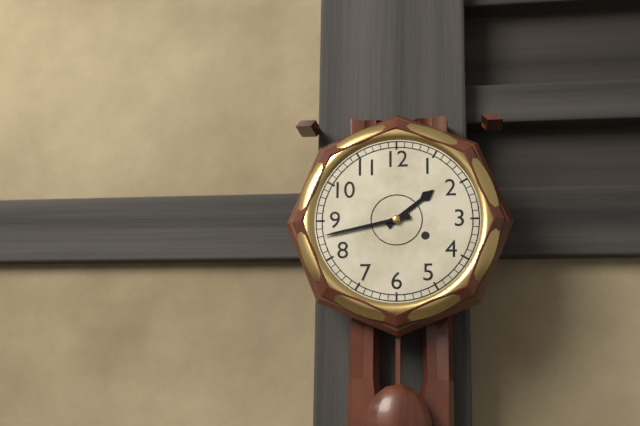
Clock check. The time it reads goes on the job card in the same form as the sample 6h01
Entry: 1h43
